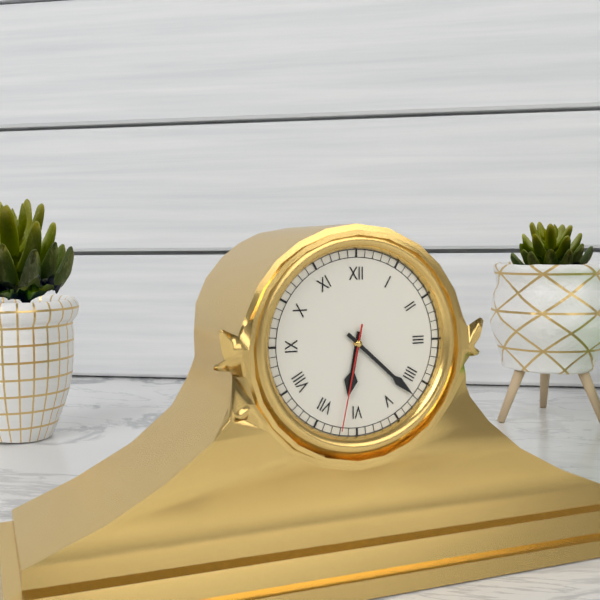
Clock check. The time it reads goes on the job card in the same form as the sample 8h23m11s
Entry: 6h22m32s
